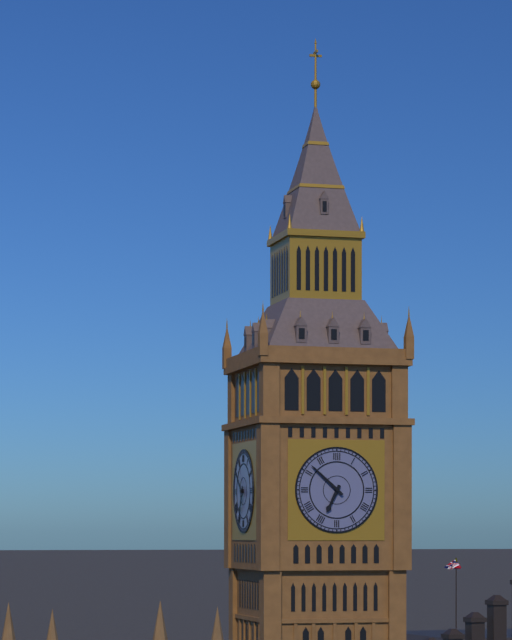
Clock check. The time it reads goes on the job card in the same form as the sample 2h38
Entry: 6h52
